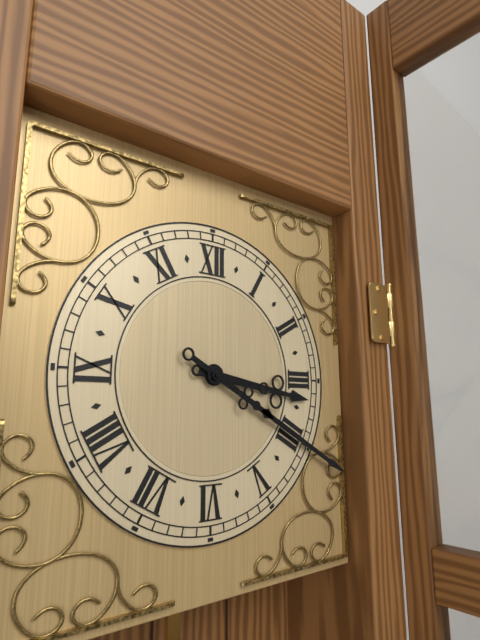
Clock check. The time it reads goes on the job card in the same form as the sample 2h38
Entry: 3h20
